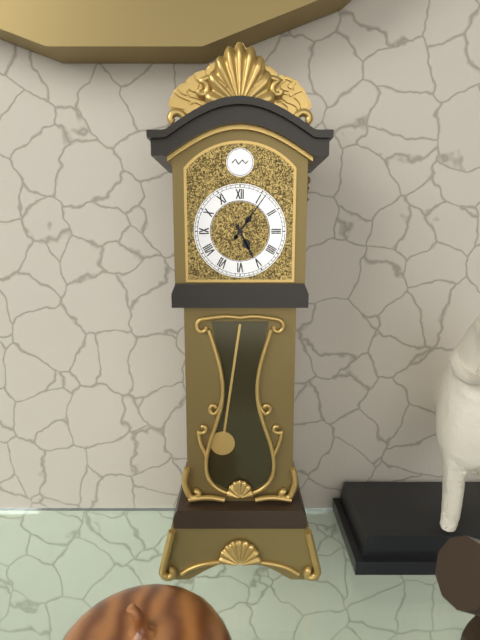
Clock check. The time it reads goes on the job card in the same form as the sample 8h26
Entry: 5h06
